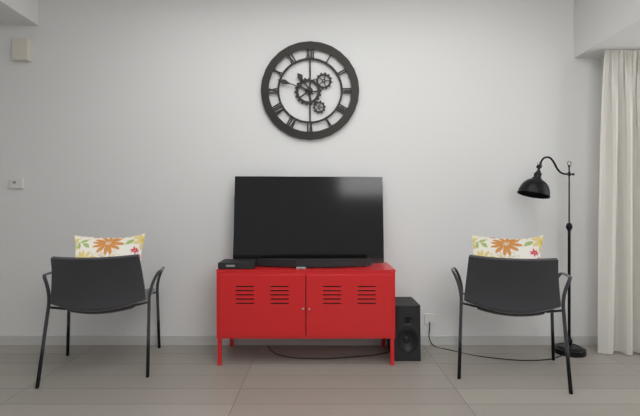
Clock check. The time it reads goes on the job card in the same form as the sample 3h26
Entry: 10h48
